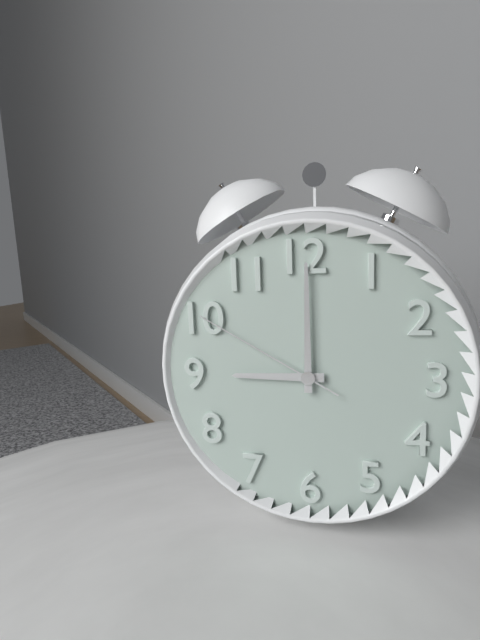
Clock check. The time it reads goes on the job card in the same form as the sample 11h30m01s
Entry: 9h00m50s
